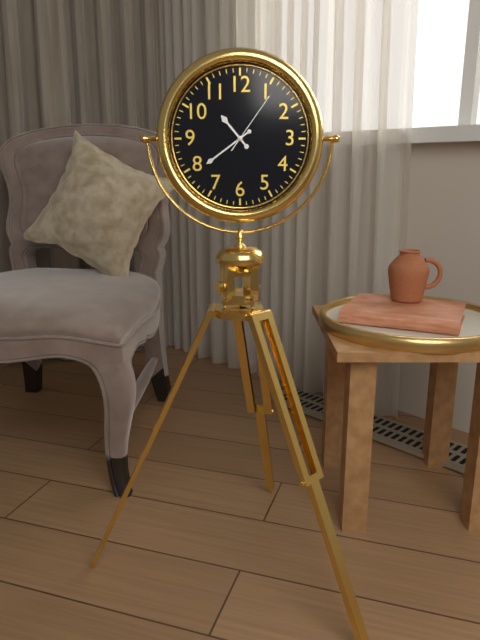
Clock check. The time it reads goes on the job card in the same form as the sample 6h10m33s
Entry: 10h39m06s
